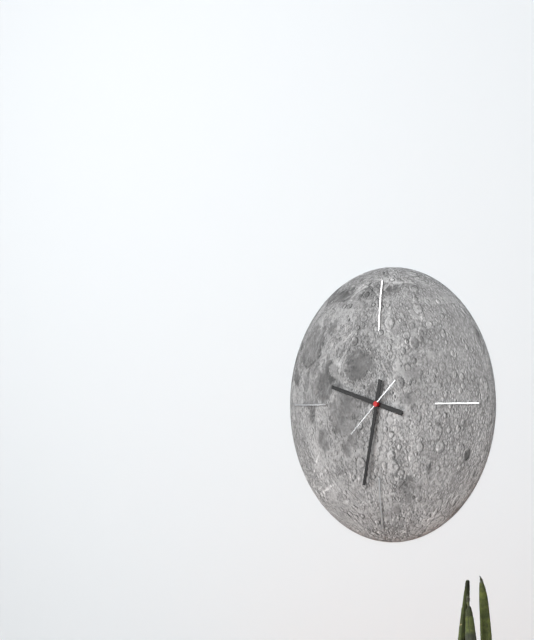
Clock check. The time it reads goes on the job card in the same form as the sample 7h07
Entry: 9h32
